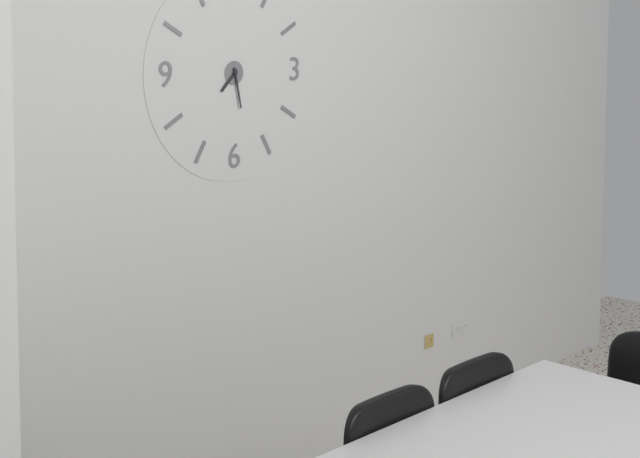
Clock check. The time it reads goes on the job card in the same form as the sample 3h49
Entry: 7h28
